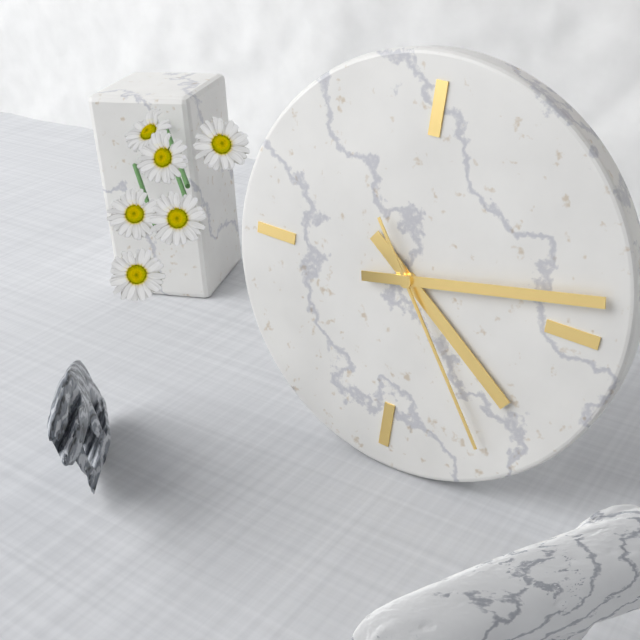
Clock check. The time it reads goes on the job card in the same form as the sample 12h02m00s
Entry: 4h13m24s
